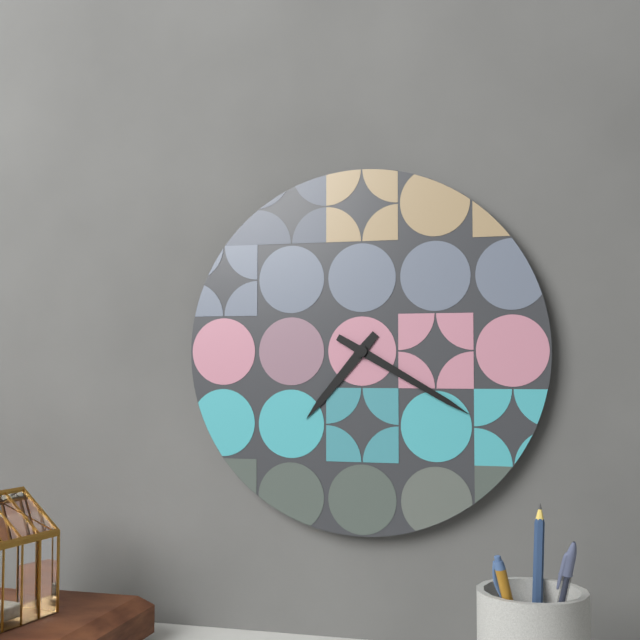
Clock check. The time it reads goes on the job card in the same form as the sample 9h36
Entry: 7h20
